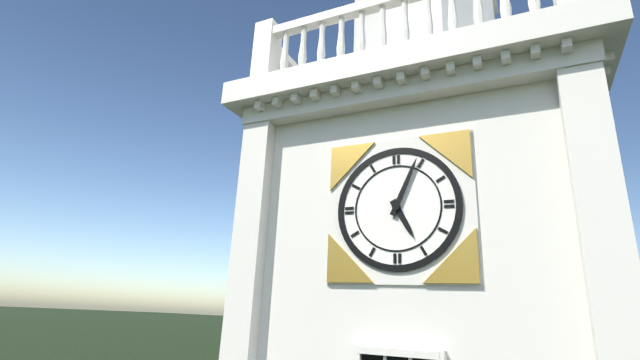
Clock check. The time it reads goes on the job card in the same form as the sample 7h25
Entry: 5h04
